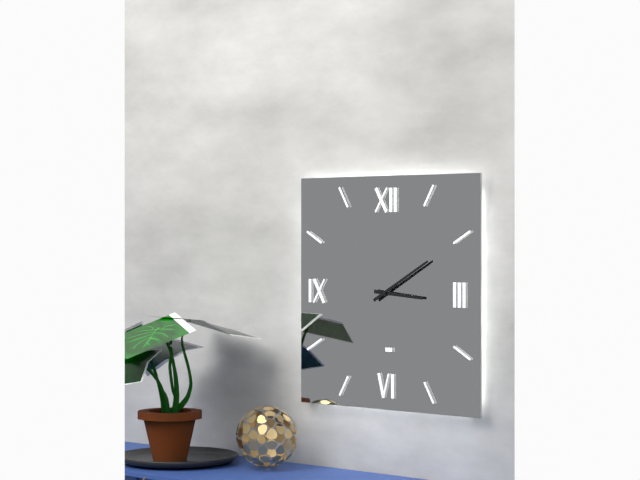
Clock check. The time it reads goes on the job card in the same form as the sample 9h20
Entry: 3h10
